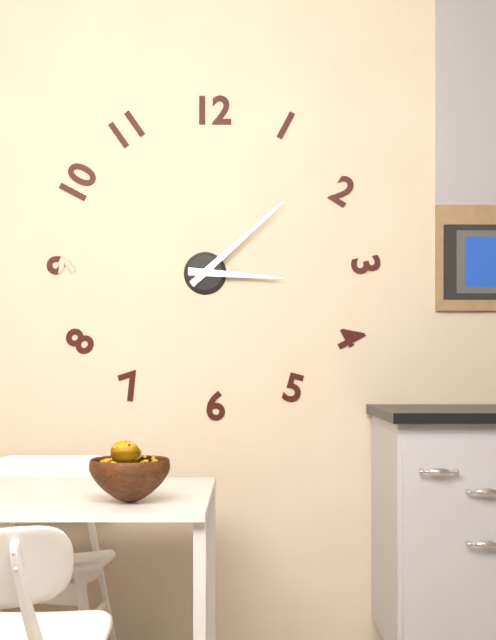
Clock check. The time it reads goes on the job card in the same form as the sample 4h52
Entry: 3h08
